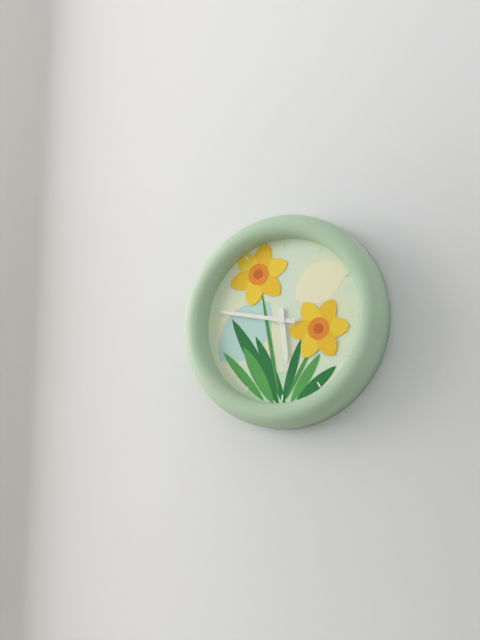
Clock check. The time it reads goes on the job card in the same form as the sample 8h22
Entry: 5h47
